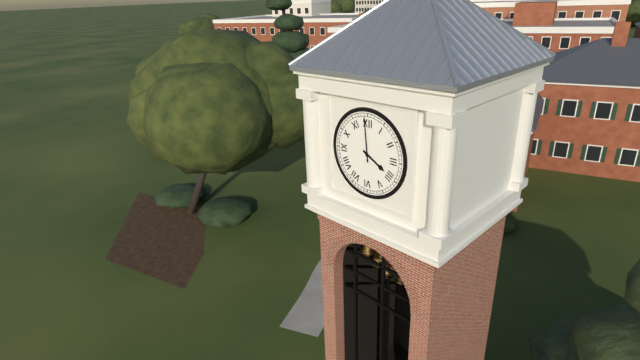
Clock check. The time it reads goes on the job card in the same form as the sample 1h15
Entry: 3h59
